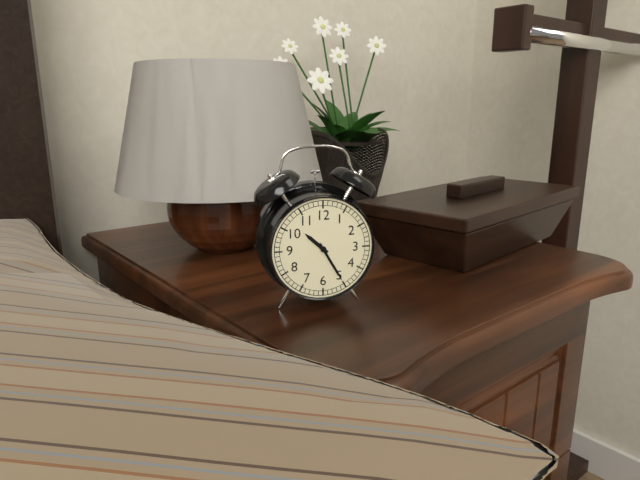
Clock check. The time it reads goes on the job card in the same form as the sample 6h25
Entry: 10h25
